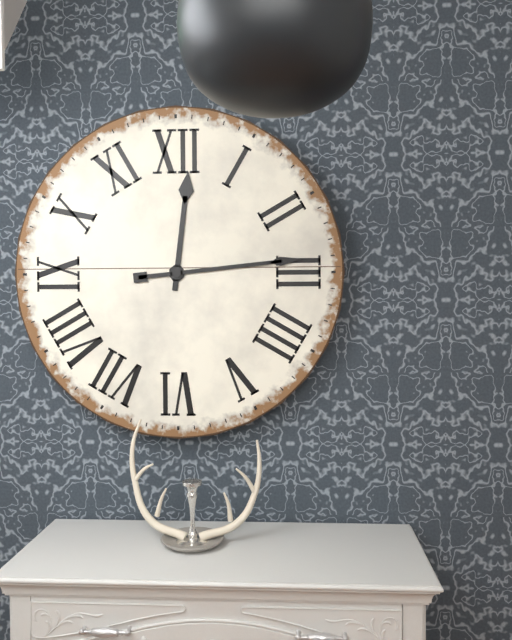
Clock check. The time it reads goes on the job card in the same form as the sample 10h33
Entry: 12h14
